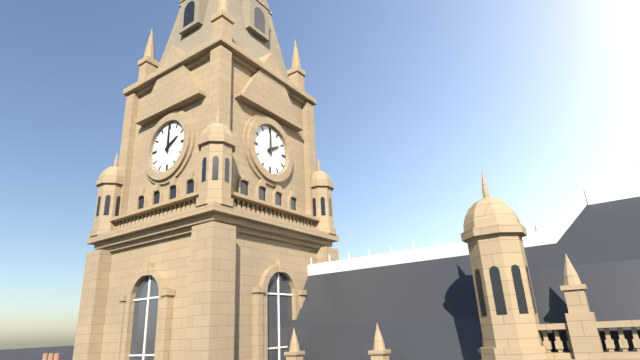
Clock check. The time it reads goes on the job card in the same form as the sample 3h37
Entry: 2h00
